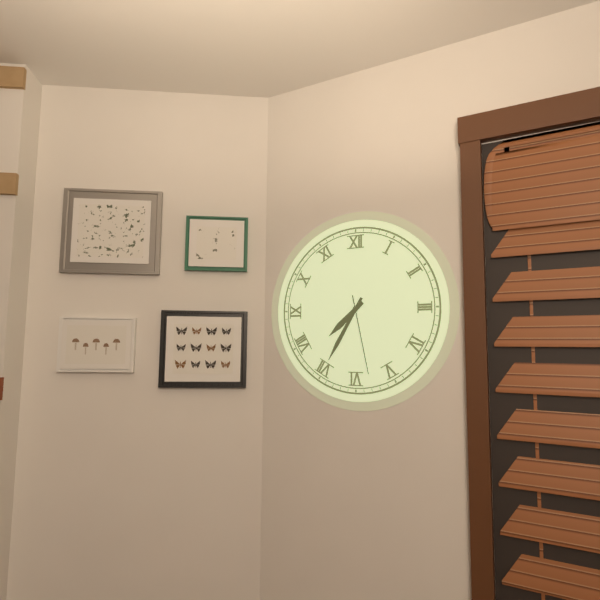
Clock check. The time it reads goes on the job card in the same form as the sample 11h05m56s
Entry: 7h35m28s
